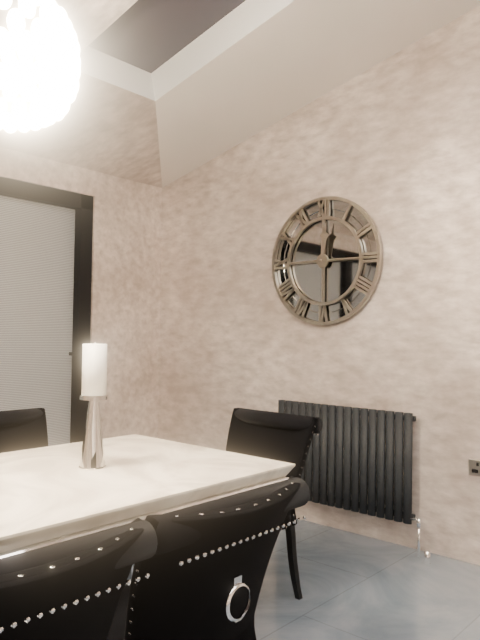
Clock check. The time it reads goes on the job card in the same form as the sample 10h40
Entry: 12h15
